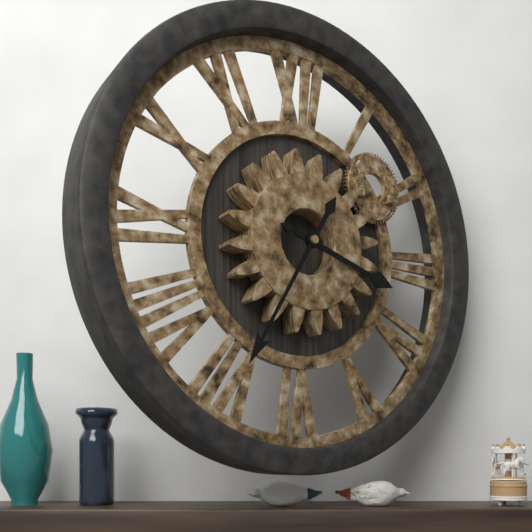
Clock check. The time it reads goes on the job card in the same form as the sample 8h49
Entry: 3h35
